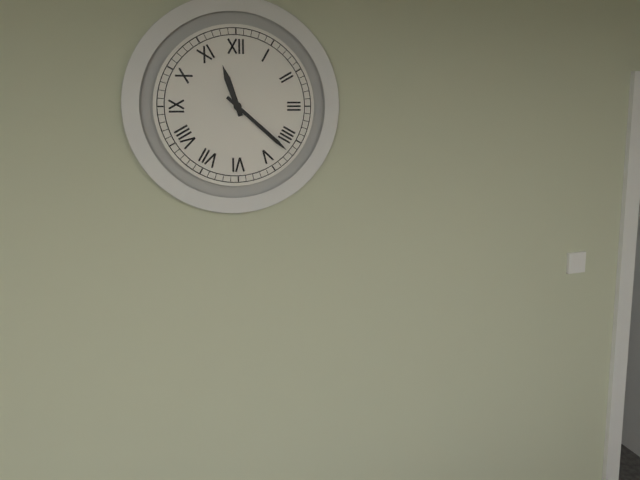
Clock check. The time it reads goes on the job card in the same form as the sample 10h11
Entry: 11h22
